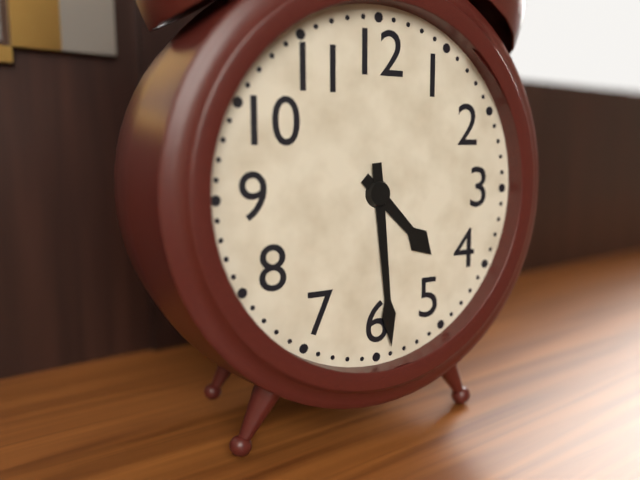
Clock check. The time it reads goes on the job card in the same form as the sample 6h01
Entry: 4h29
